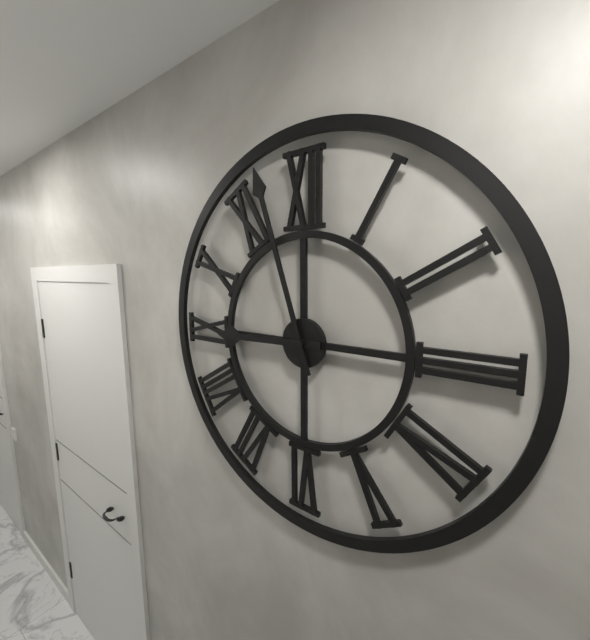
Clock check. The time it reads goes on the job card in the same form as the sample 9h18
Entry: 8h57
